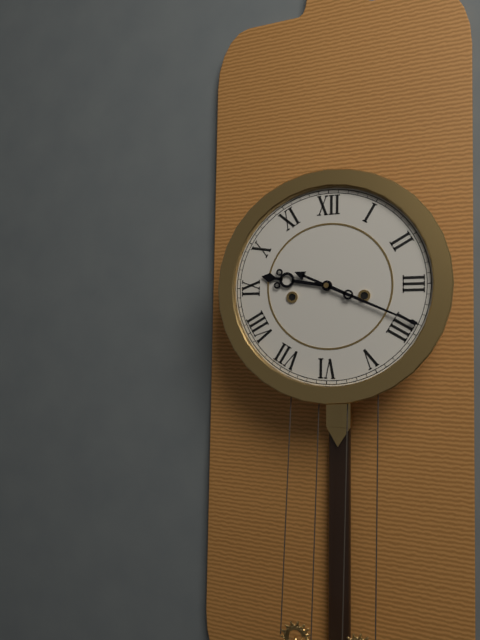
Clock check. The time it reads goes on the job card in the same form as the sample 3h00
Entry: 9h19
